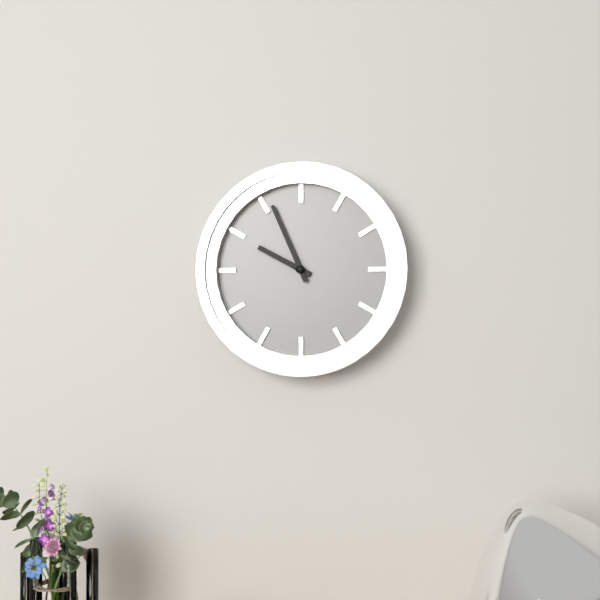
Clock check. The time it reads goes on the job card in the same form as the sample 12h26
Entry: 9h56
